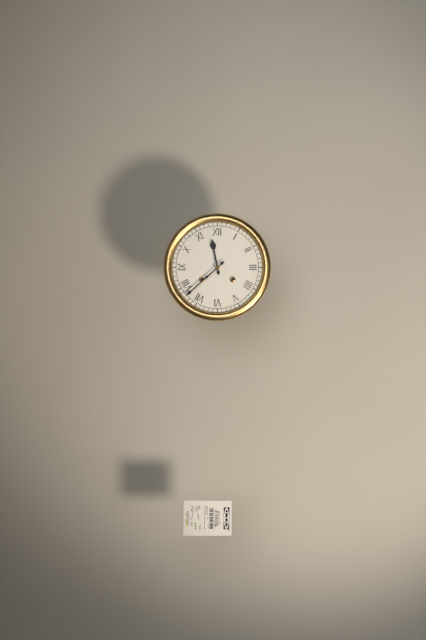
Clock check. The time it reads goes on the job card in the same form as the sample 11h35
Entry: 11h38
